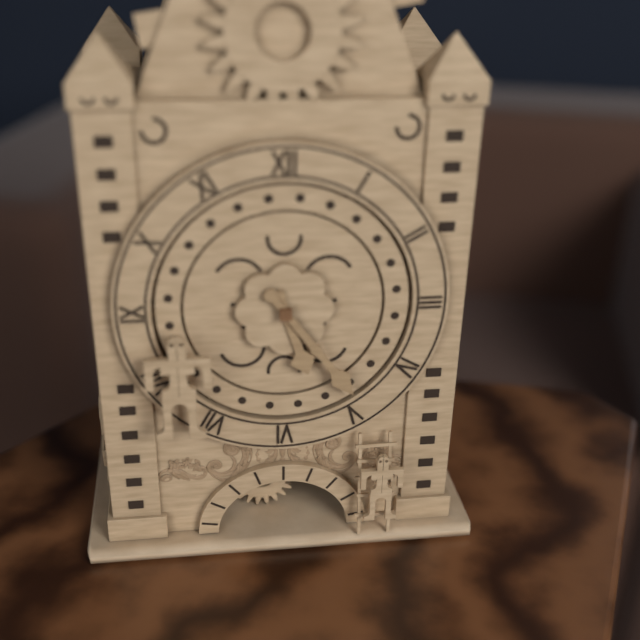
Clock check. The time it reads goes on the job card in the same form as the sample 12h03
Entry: 5h24
